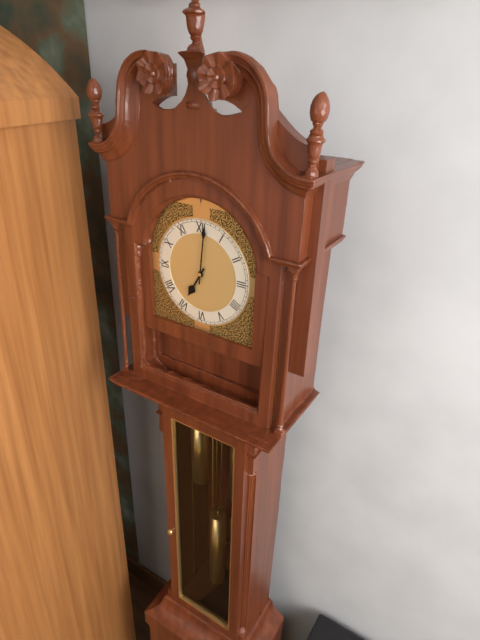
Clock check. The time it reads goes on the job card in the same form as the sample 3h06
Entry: 7h01
